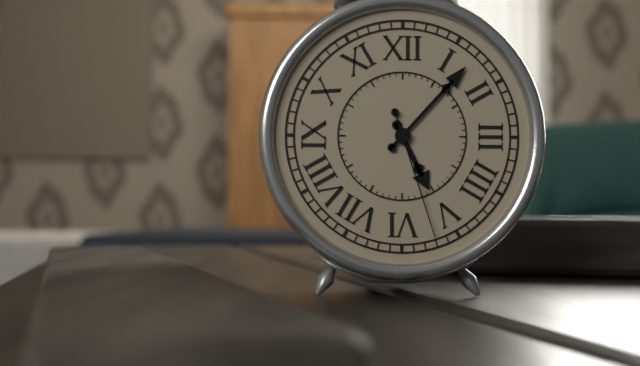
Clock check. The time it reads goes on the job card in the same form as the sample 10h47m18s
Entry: 5h07m27s
